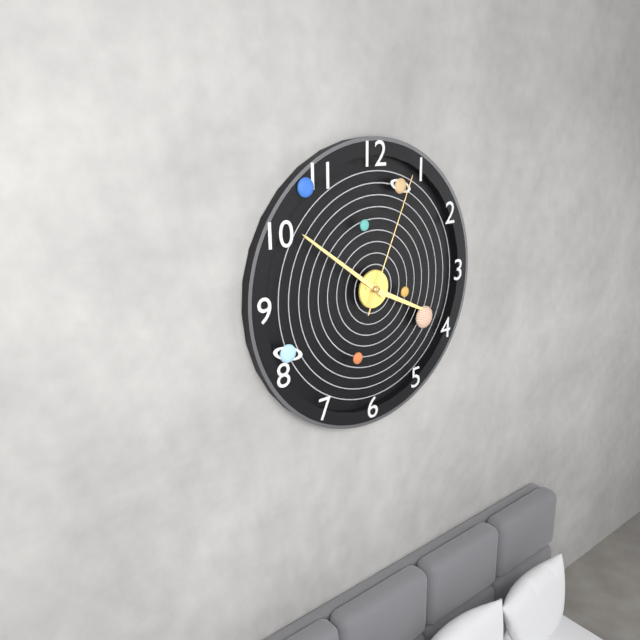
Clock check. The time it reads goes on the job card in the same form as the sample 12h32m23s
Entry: 3h51m04s
